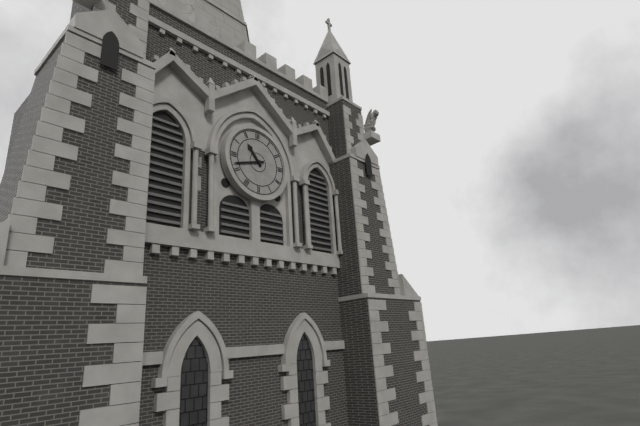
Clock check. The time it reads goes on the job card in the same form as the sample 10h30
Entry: 10h42
